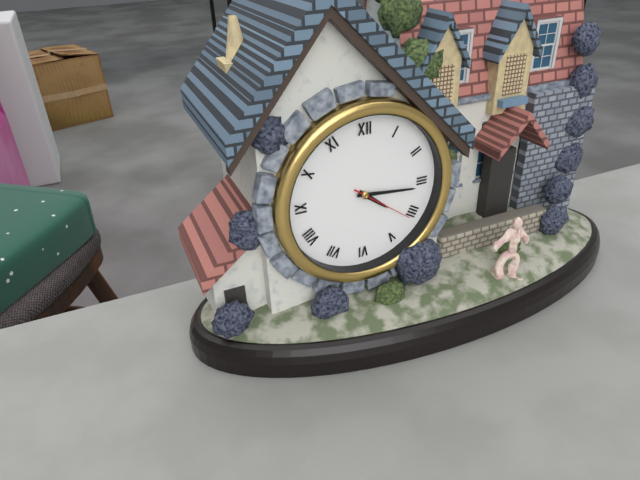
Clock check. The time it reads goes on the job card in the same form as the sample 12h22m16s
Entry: 4h16m21s
